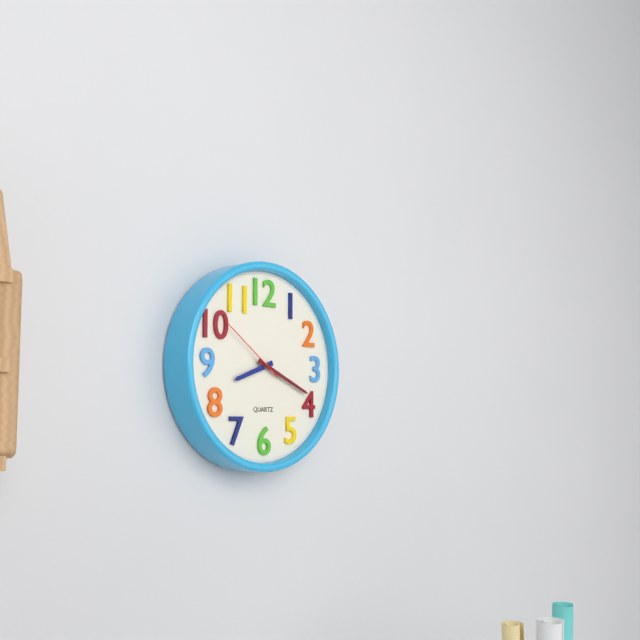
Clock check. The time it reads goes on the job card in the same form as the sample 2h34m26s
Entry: 8h19m51s
